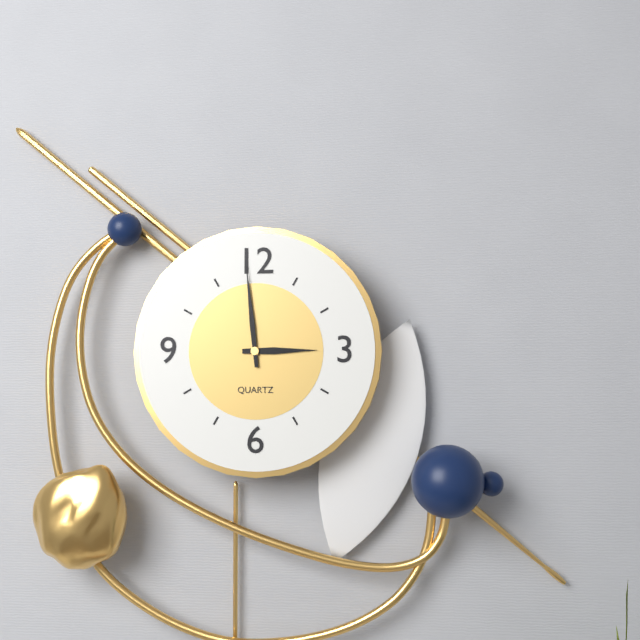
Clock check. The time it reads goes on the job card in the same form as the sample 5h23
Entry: 2h59
